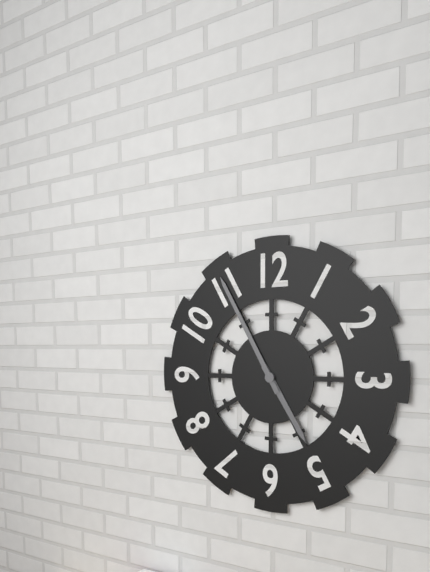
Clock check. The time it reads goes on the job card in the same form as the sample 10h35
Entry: 4h55
